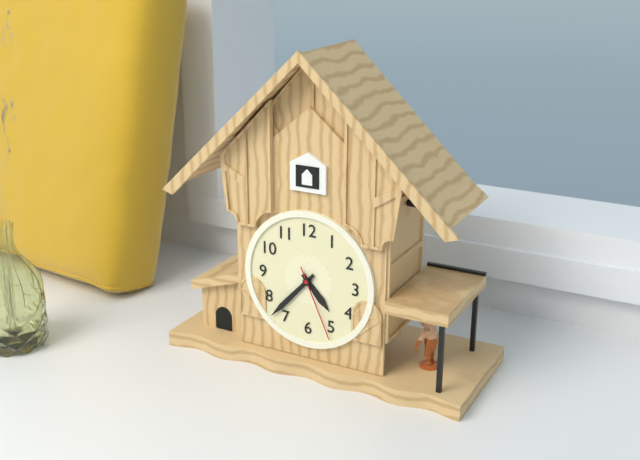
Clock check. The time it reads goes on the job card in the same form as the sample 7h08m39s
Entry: 4h37m26s
